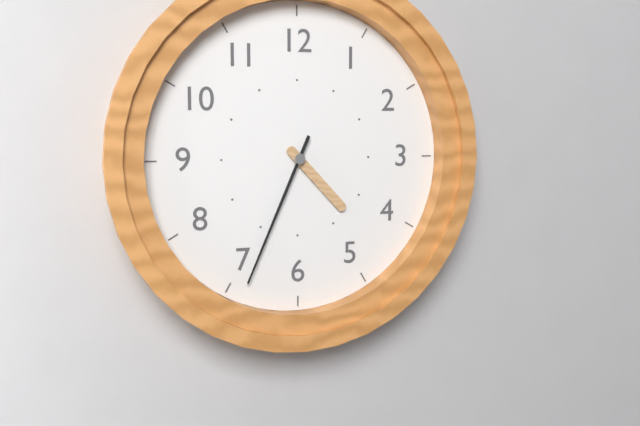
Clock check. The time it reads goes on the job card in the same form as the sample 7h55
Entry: 4h34
